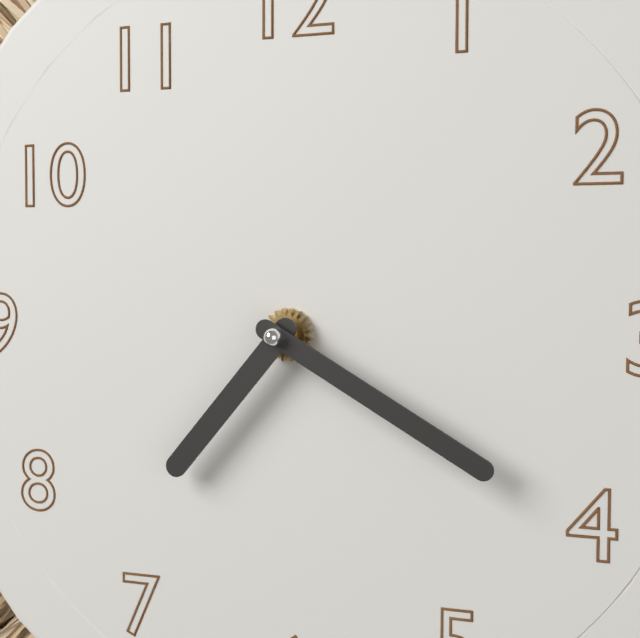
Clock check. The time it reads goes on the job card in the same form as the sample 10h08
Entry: 7h20
